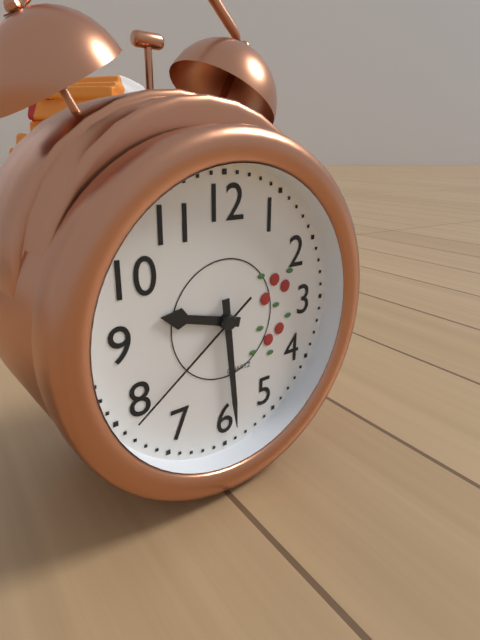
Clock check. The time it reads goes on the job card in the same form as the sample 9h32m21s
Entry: 9h29m39s
